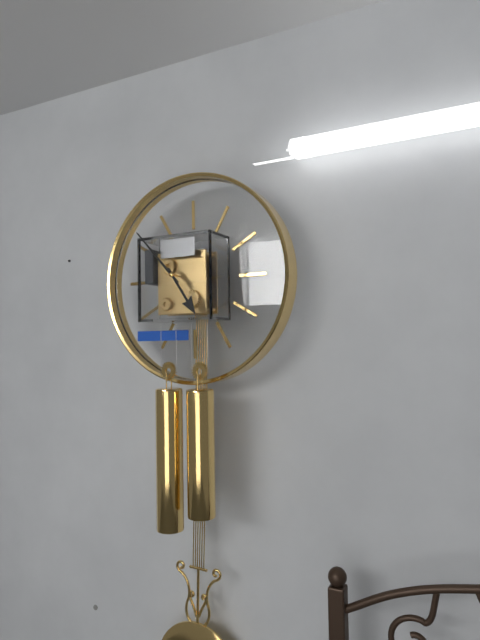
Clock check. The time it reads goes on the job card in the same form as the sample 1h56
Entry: 4h53
